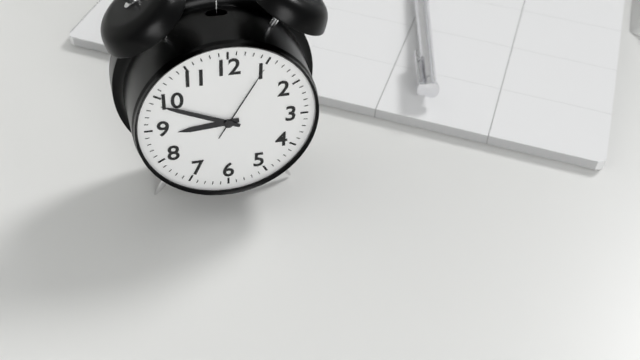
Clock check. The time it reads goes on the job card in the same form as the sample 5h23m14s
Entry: 8h49m05s
